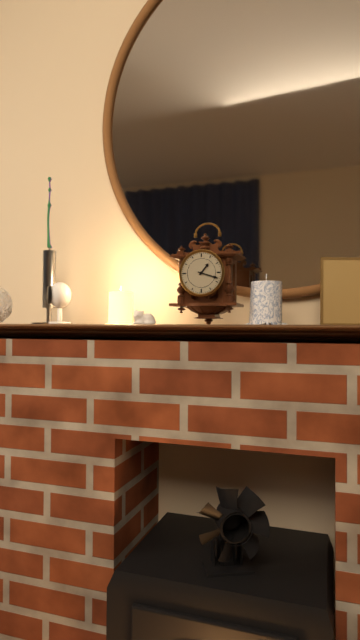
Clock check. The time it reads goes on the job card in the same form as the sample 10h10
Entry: 1h18
